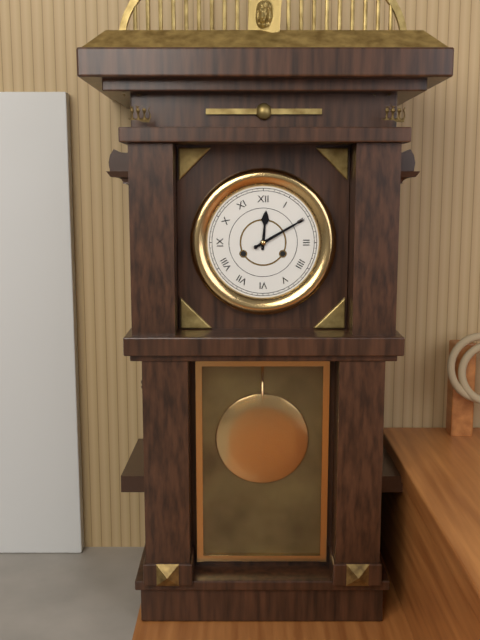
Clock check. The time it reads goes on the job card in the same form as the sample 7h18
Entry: 12h10
